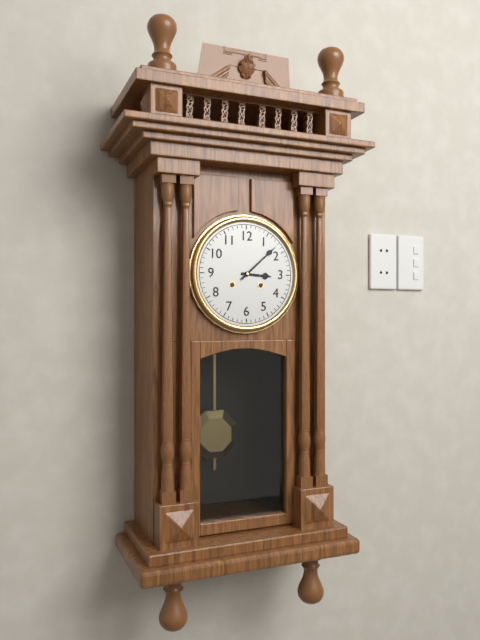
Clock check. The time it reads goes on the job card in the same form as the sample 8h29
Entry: 3h08
